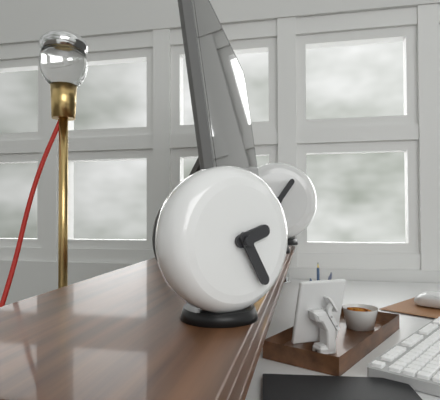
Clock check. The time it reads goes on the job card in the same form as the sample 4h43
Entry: 2h25
